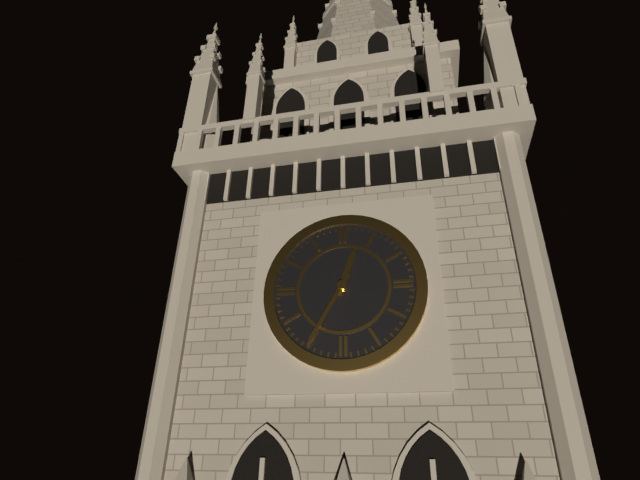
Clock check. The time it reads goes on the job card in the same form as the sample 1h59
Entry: 12h35
